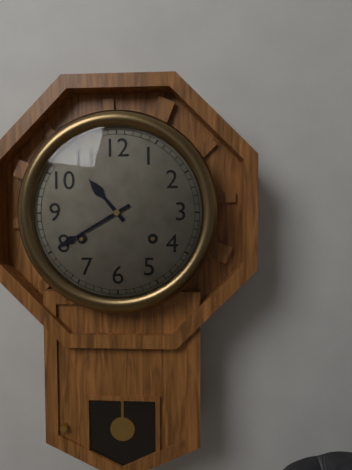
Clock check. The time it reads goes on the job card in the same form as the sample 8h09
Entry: 10h40
